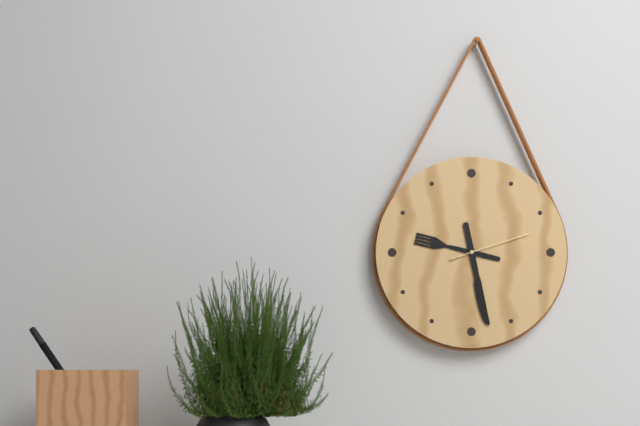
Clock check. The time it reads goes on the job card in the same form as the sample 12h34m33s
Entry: 9h28m12s
